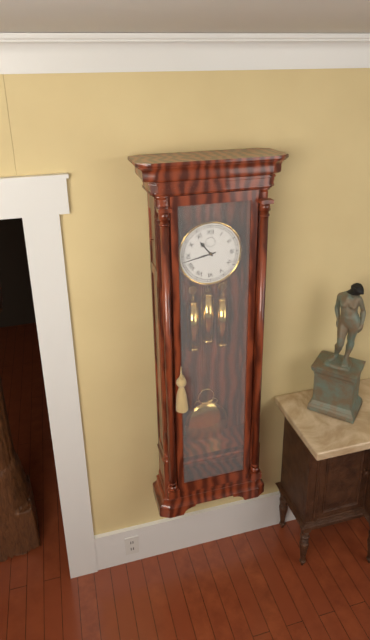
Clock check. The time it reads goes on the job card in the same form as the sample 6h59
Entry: 10h43
